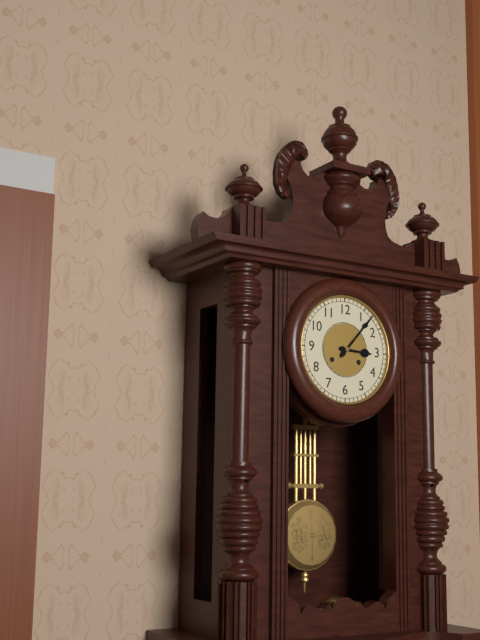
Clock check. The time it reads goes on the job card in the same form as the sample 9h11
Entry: 3h07
